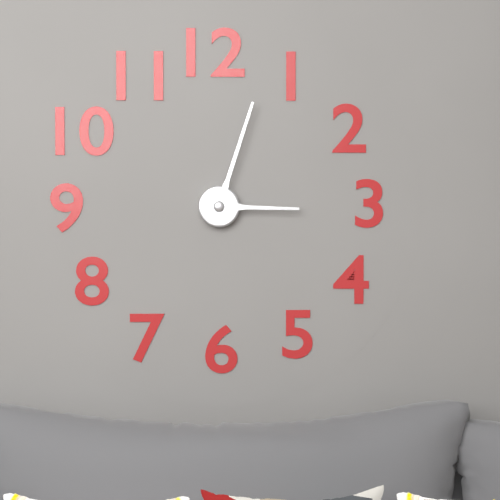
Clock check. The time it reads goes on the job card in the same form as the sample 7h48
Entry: 3h03
